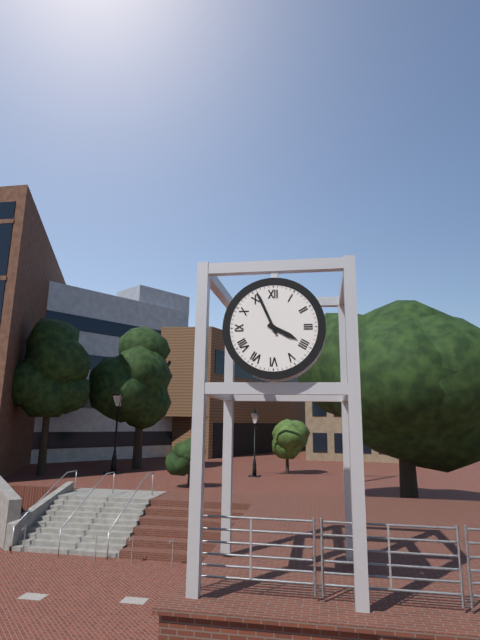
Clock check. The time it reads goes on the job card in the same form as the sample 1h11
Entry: 3h56
